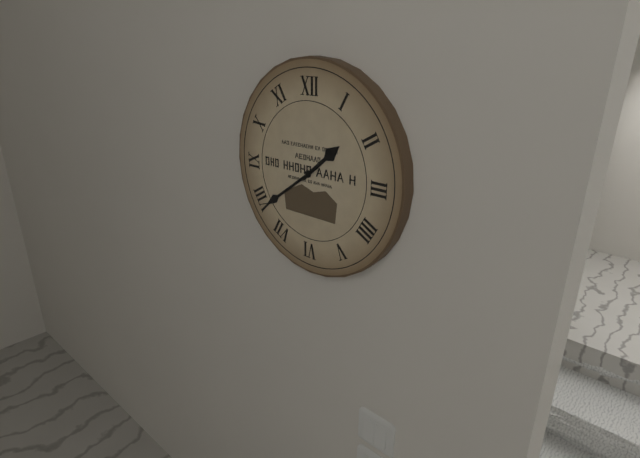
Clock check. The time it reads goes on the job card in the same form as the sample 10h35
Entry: 1h39
